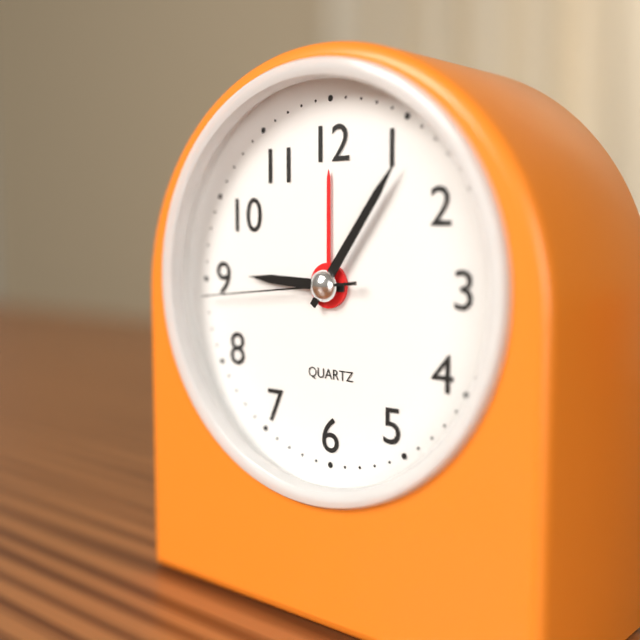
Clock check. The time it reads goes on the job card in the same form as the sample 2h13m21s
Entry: 9h06m44s
